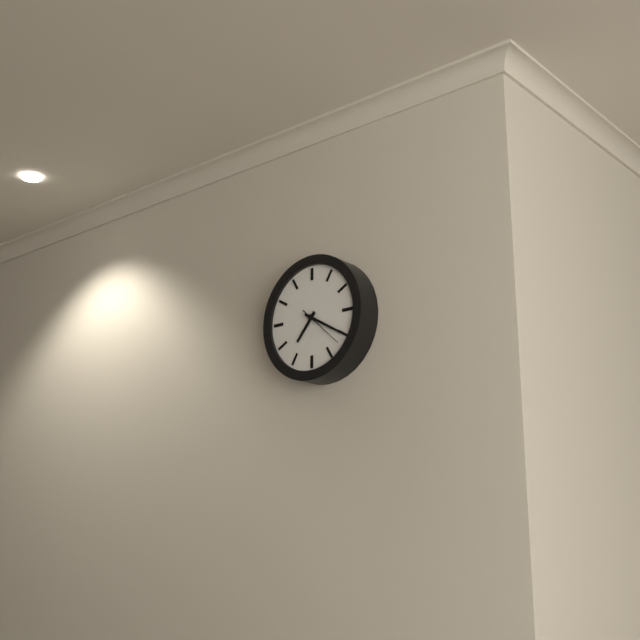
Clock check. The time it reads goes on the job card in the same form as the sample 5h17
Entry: 7h20
